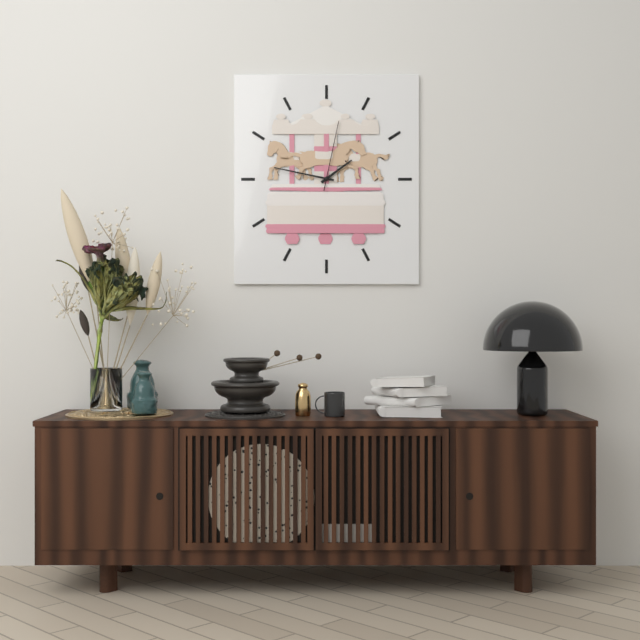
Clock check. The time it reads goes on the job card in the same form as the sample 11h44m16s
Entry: 1h47m02s
